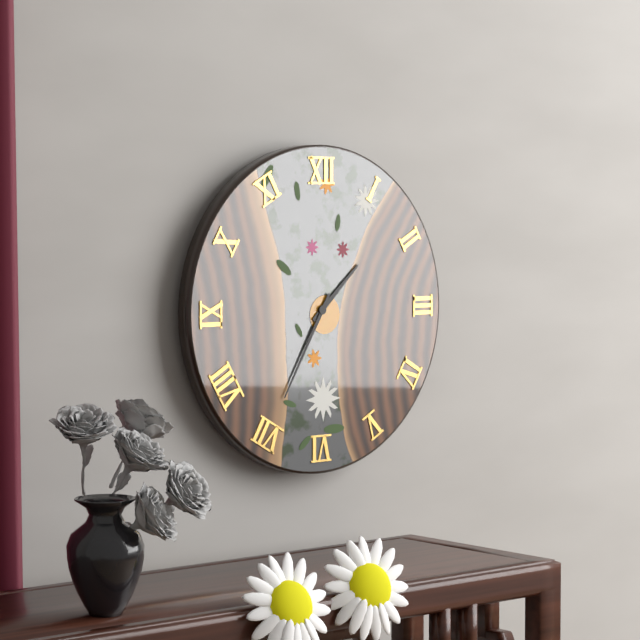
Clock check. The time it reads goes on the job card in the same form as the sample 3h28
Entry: 1h35
